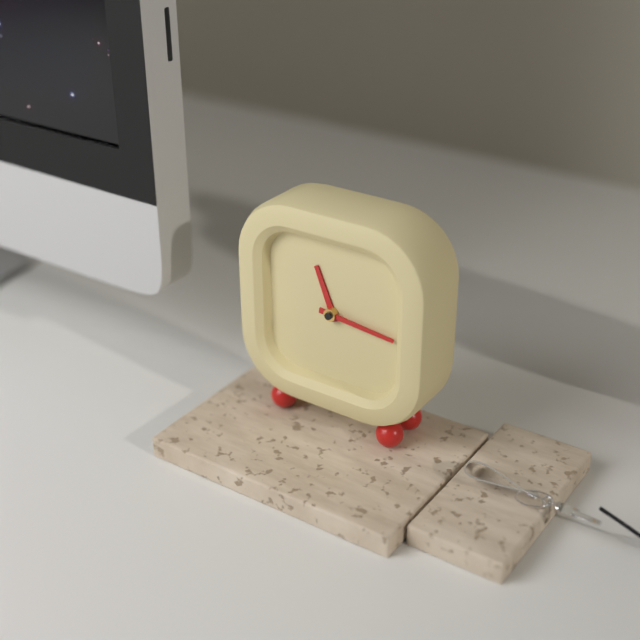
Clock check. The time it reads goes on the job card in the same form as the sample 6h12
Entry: 11h16
